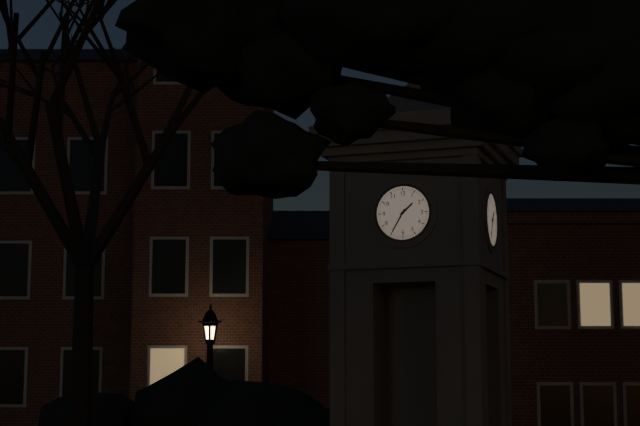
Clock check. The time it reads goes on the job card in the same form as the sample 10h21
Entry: 1h35
